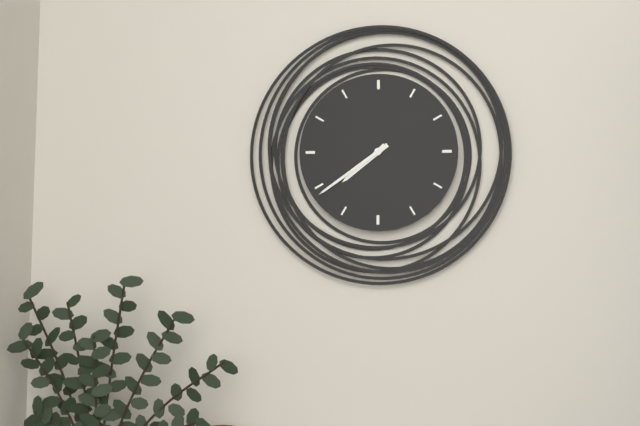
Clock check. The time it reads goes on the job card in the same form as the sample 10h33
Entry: 7h39
